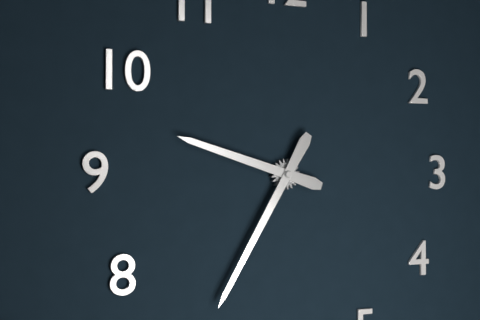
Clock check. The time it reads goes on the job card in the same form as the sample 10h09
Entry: 9h35
